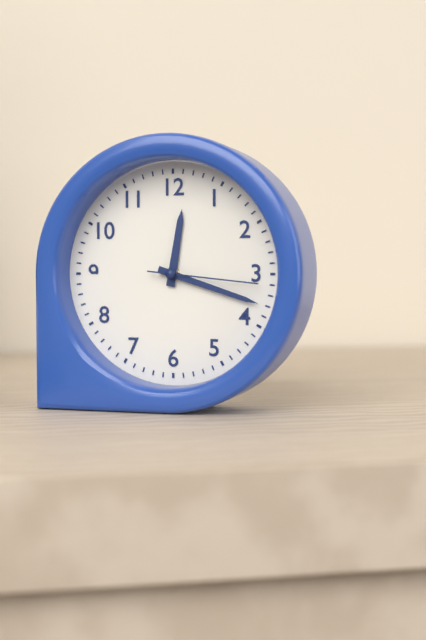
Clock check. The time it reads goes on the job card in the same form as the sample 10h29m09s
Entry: 12h18m16s
